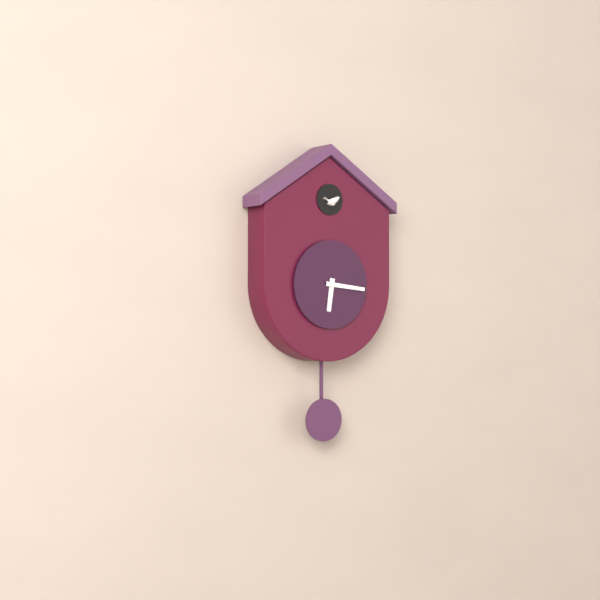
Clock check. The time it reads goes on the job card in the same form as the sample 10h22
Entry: 6h16
